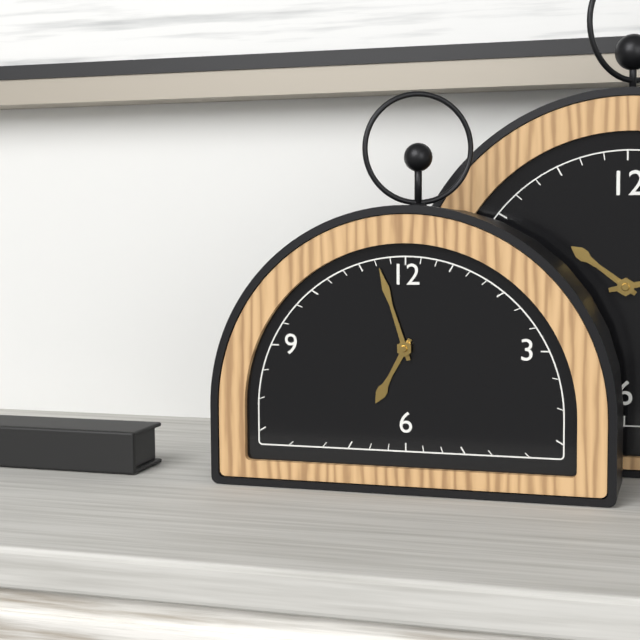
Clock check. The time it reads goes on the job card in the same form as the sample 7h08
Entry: 6h57
